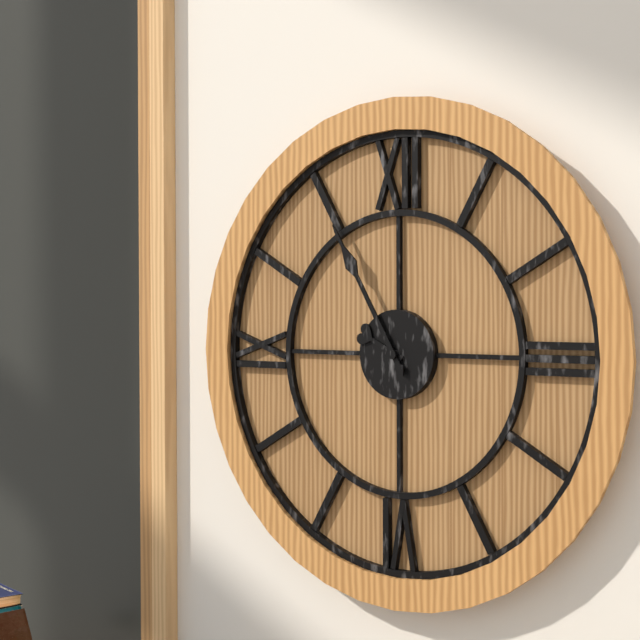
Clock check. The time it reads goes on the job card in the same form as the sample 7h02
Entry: 9h55
